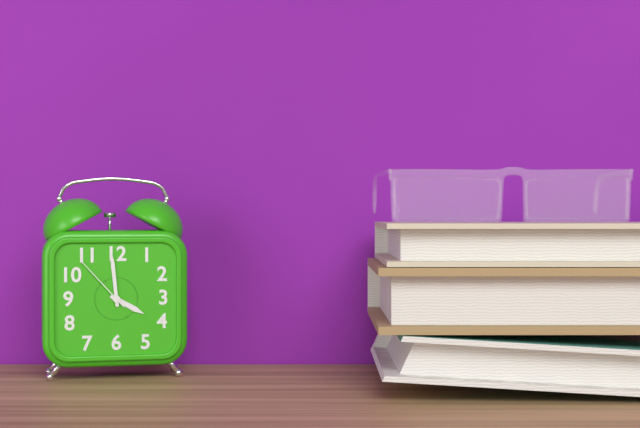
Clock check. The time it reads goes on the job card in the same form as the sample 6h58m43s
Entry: 3h59m53s
